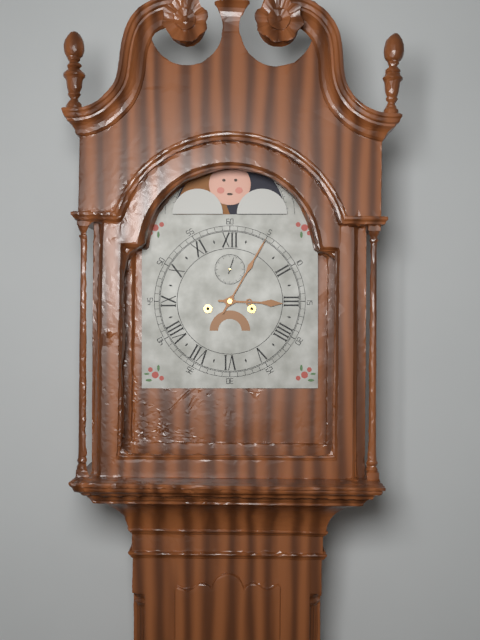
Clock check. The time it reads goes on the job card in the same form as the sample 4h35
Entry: 3h05
